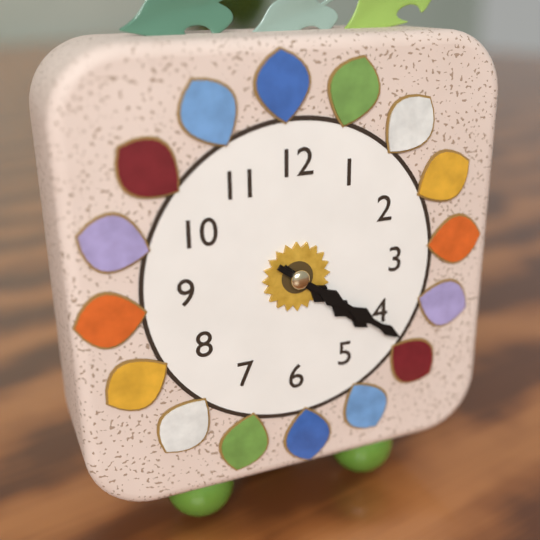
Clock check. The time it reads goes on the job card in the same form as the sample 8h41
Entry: 4h21
